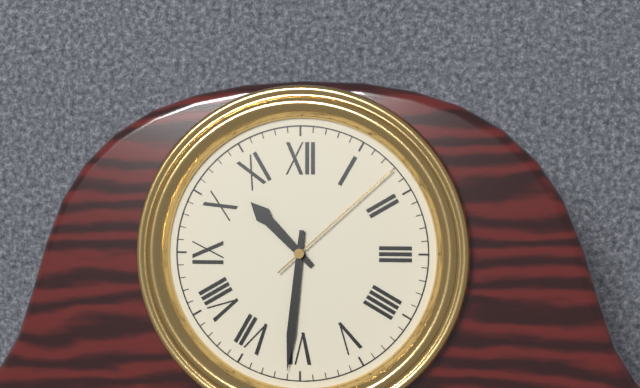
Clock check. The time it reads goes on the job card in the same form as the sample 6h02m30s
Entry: 10h31m08s
